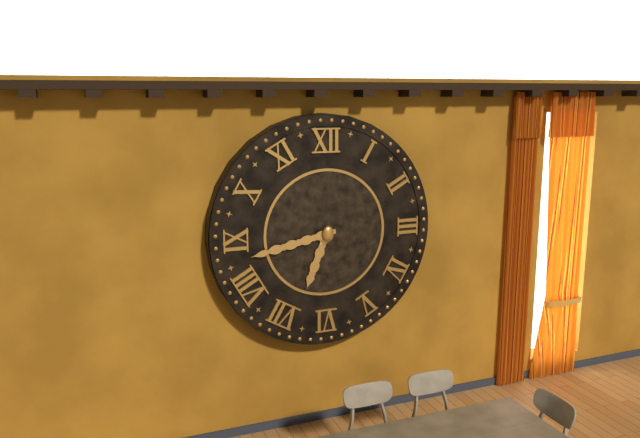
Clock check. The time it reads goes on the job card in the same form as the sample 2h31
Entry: 6h43
